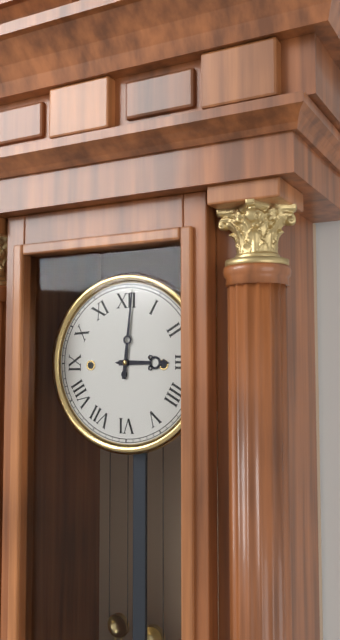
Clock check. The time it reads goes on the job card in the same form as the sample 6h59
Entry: 3h01
